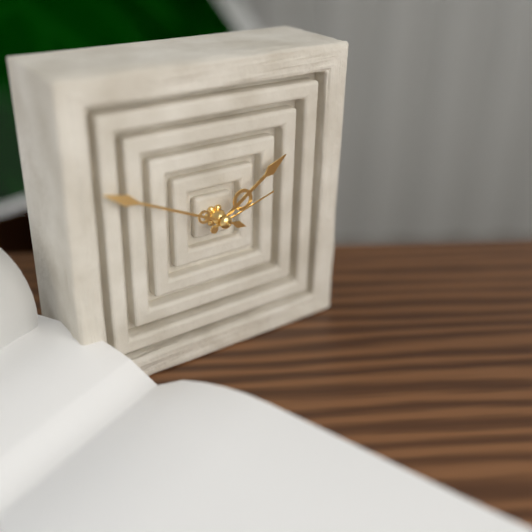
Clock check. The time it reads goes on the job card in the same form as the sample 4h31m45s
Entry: 1h49m12s
